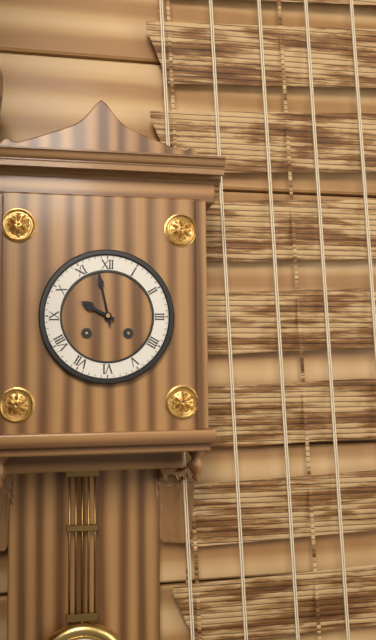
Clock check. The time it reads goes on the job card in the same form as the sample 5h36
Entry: 9h58
